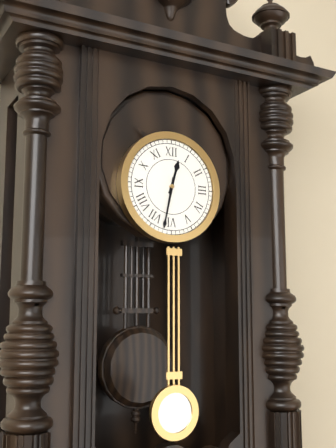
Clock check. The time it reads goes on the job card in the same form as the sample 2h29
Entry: 12h32
